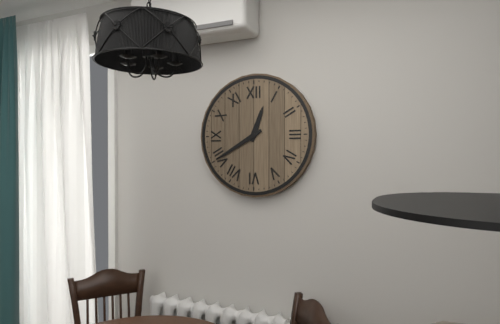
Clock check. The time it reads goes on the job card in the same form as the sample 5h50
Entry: 12h40
